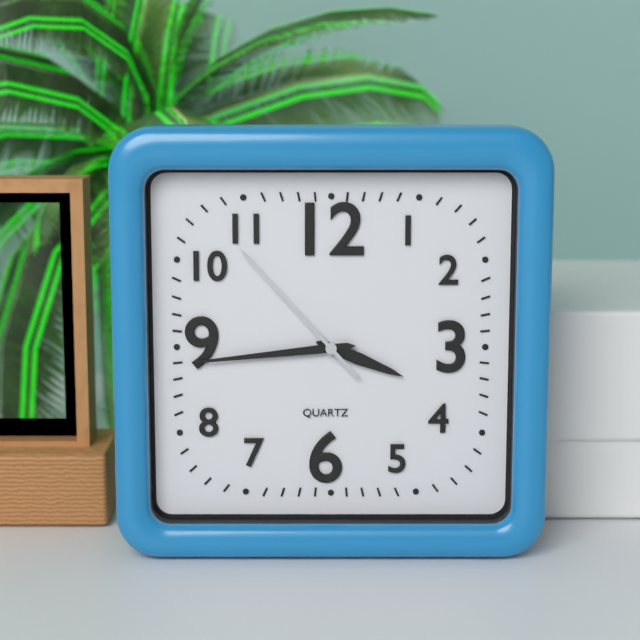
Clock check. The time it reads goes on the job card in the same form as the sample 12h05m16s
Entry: 3h44m53s
